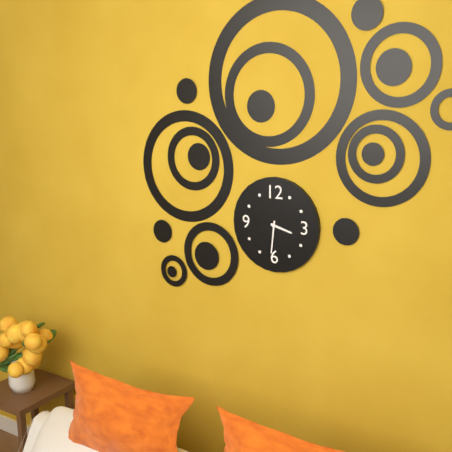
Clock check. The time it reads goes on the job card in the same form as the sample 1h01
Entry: 3h31
